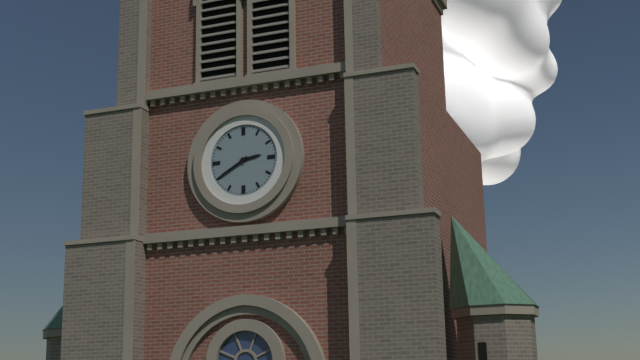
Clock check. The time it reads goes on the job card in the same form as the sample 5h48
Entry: 2h40
